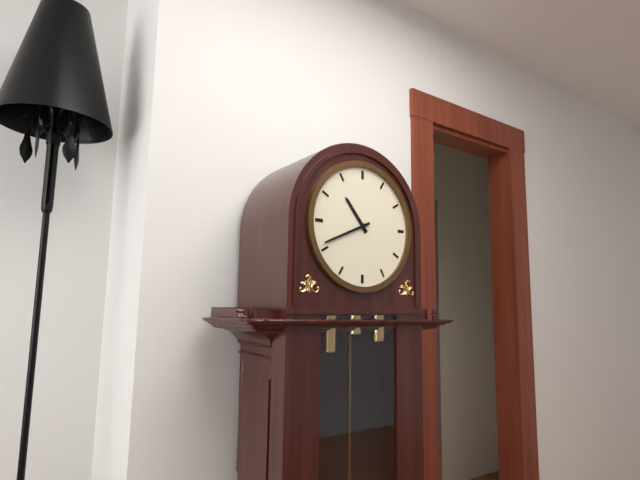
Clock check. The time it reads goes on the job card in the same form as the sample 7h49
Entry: 10h41
